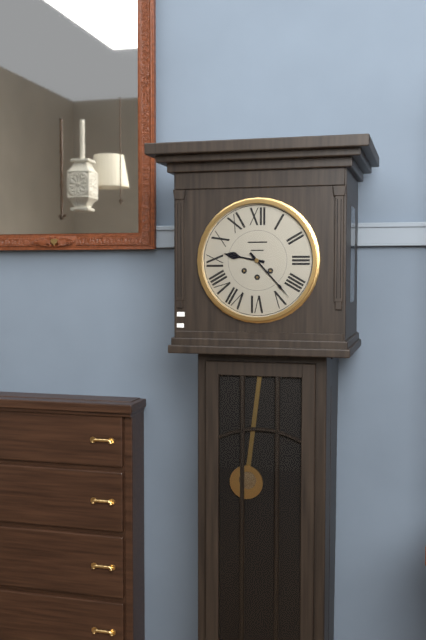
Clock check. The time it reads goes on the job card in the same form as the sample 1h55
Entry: 9h23
